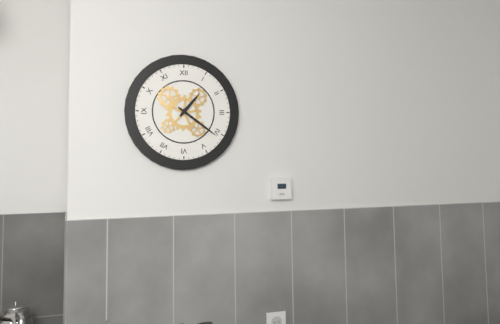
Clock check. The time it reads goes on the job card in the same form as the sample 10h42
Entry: 1h21
